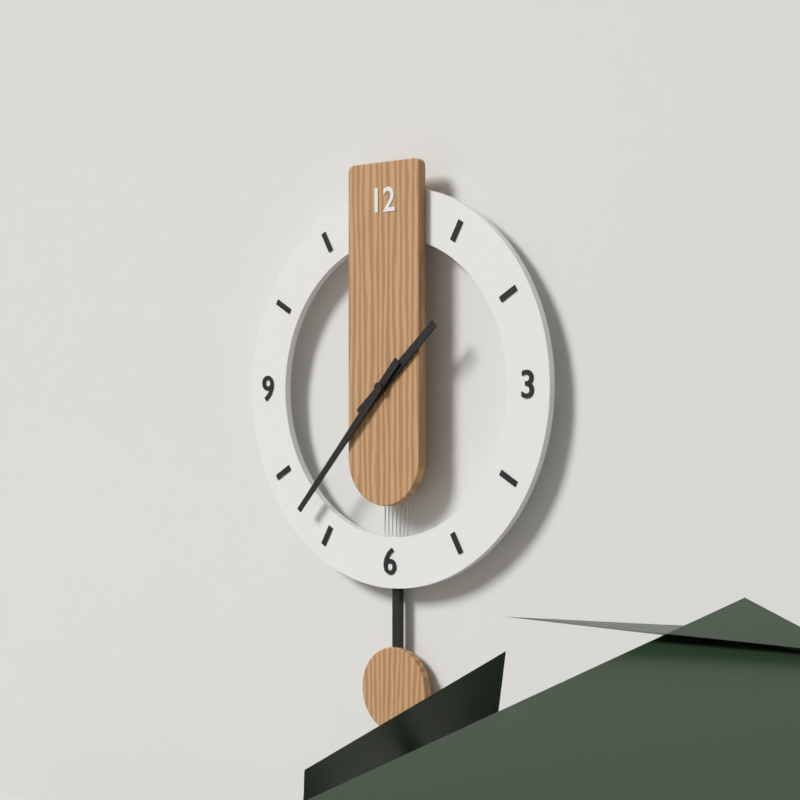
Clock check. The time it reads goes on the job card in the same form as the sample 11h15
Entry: 1h37
